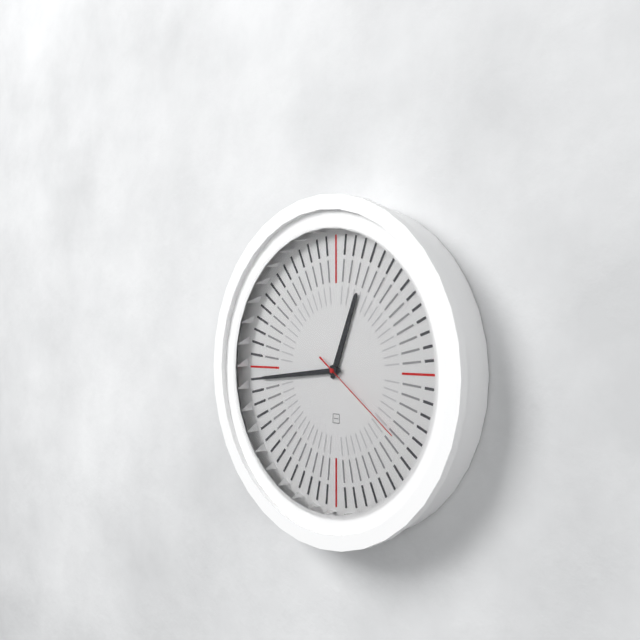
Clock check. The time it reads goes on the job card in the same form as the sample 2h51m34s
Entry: 12h44m21s
